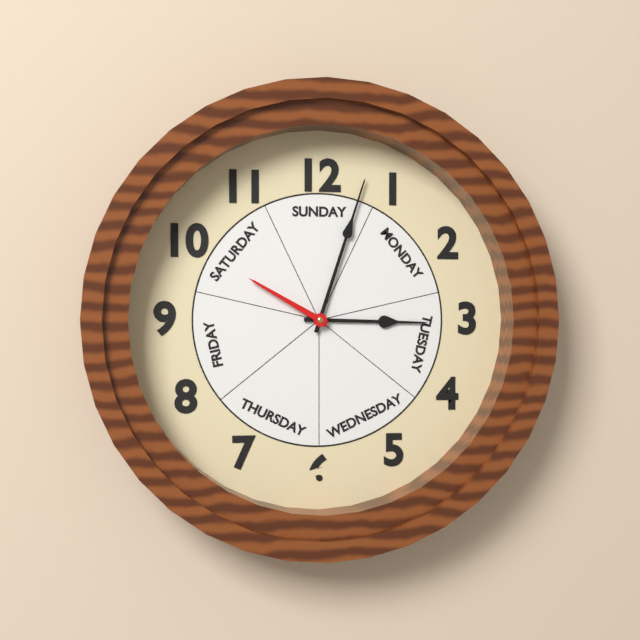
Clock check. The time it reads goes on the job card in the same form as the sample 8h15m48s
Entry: 3h03m50s
